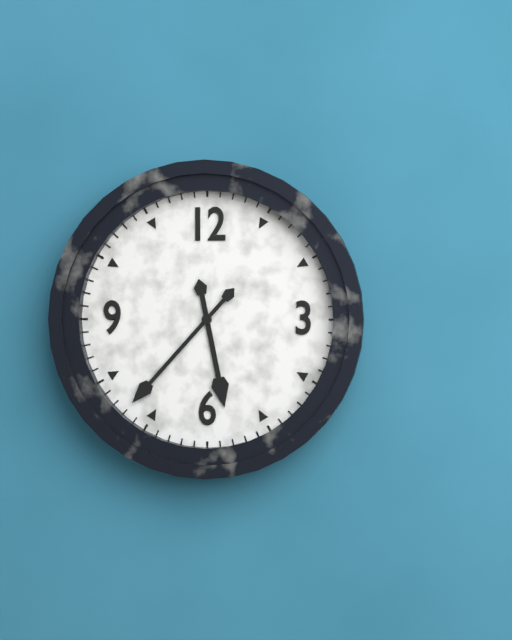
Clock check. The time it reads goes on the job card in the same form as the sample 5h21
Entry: 5h37
